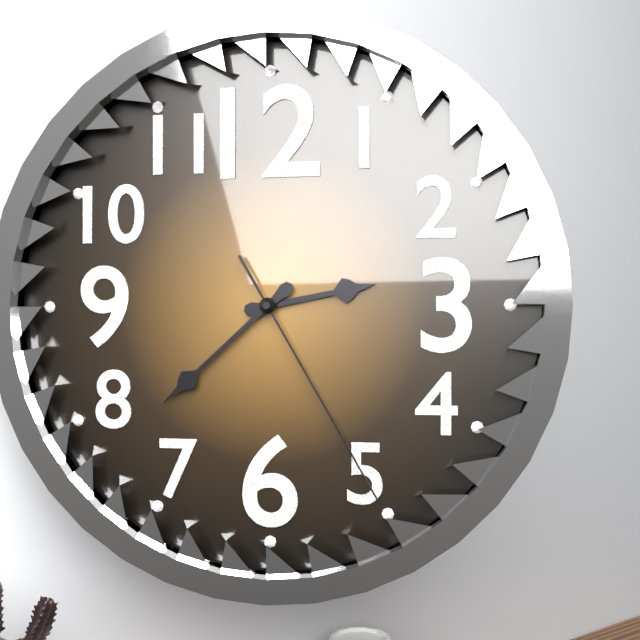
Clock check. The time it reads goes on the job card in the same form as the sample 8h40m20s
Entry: 2h38m25s
